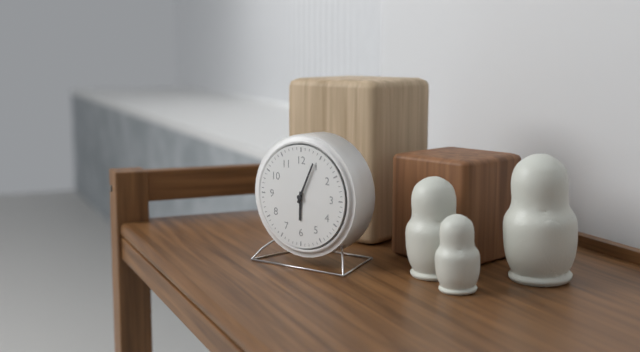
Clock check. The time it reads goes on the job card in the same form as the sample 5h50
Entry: 6h04
